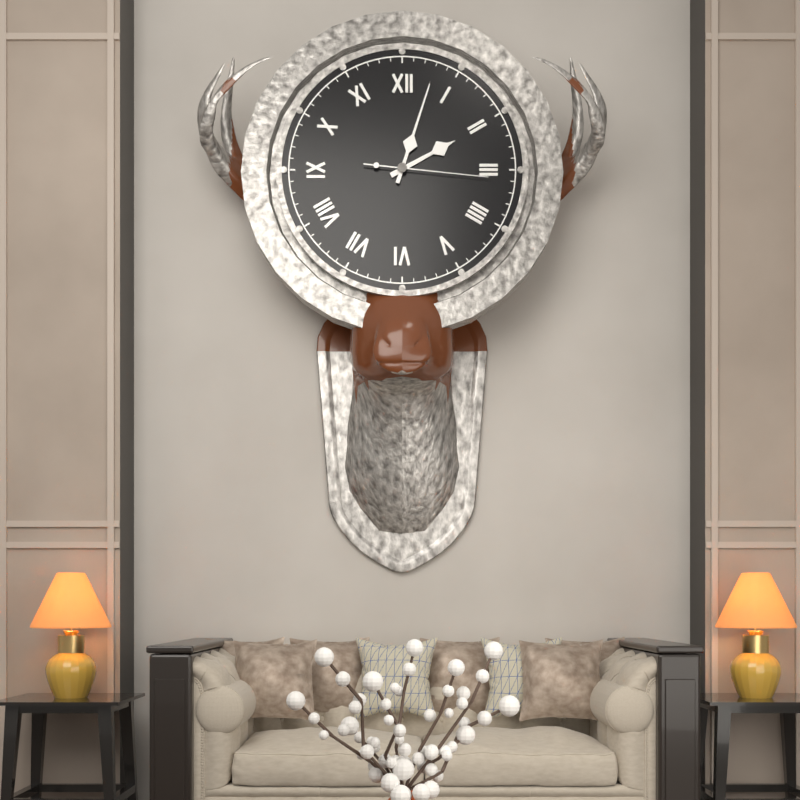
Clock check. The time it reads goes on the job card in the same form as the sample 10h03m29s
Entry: 2h03m16s
